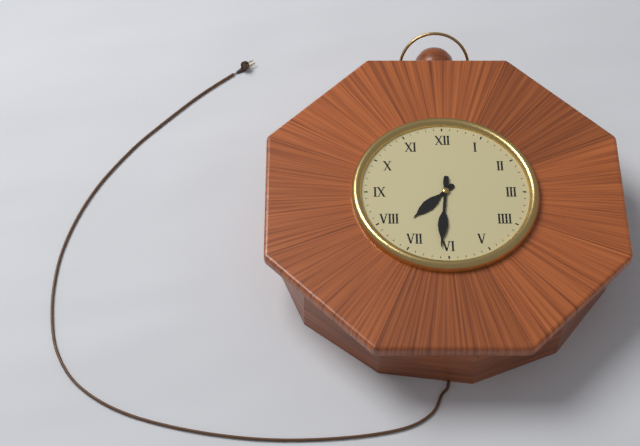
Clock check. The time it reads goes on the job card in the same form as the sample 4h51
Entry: 7h31
